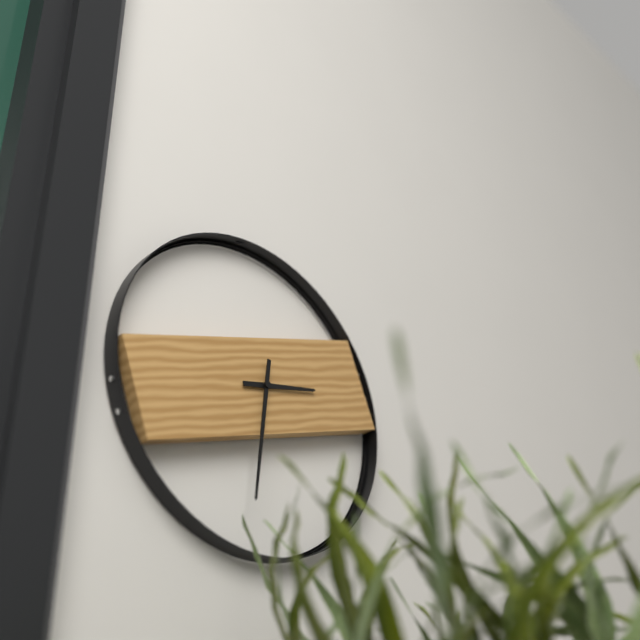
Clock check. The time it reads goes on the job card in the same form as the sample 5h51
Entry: 2h31
